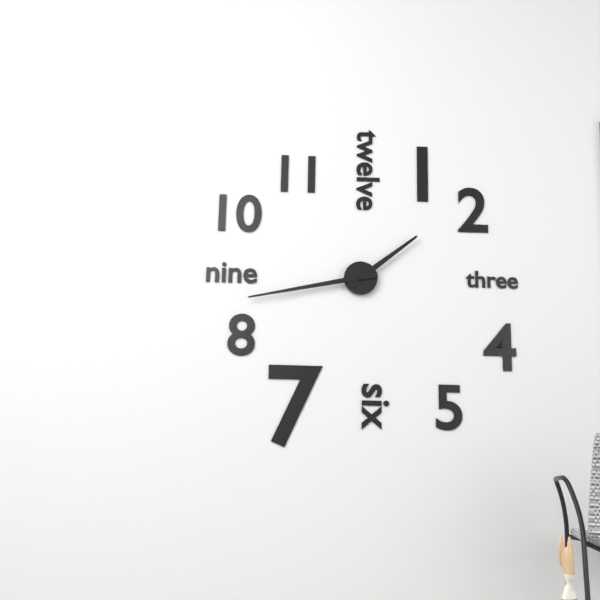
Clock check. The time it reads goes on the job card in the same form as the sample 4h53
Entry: 1h43
